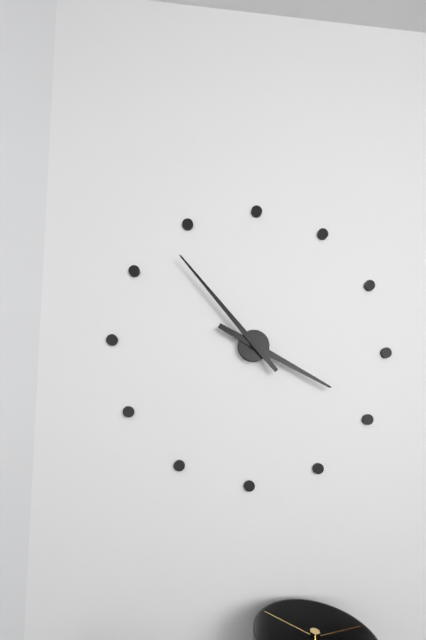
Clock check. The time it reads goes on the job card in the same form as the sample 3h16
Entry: 3h53
